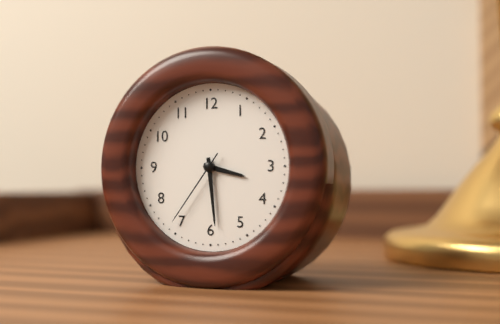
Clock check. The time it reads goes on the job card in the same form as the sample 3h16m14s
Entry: 3h29m36s
